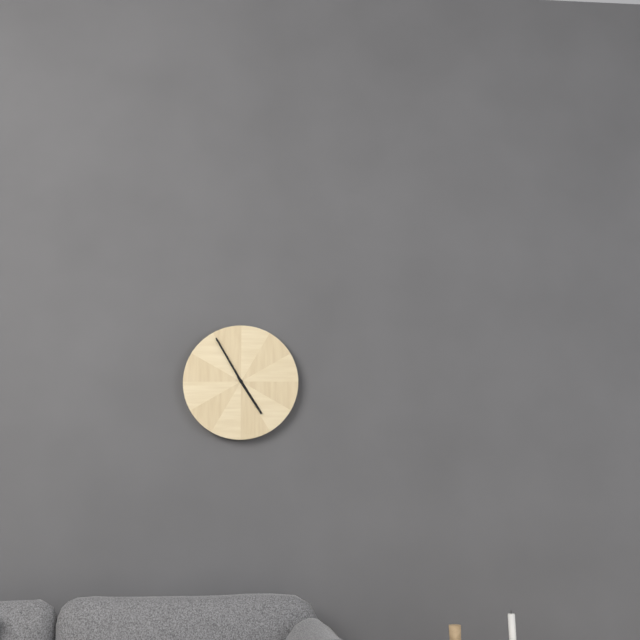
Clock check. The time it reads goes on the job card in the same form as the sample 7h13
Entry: 4h55
